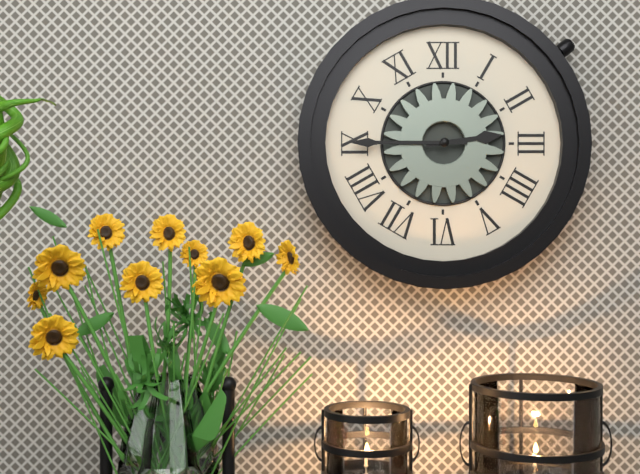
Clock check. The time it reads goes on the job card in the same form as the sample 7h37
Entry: 2h45
